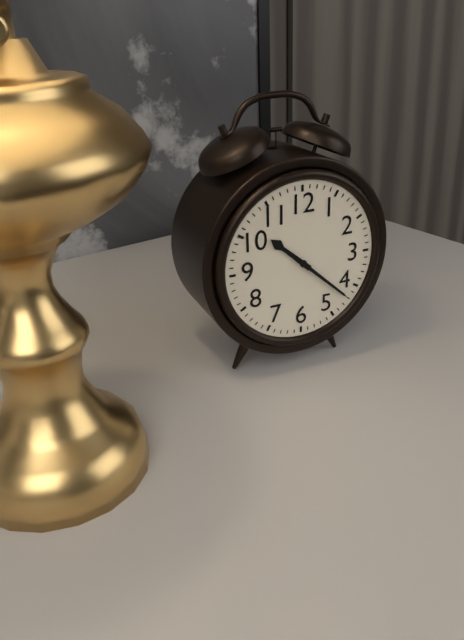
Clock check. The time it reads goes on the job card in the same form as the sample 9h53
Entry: 10h22
